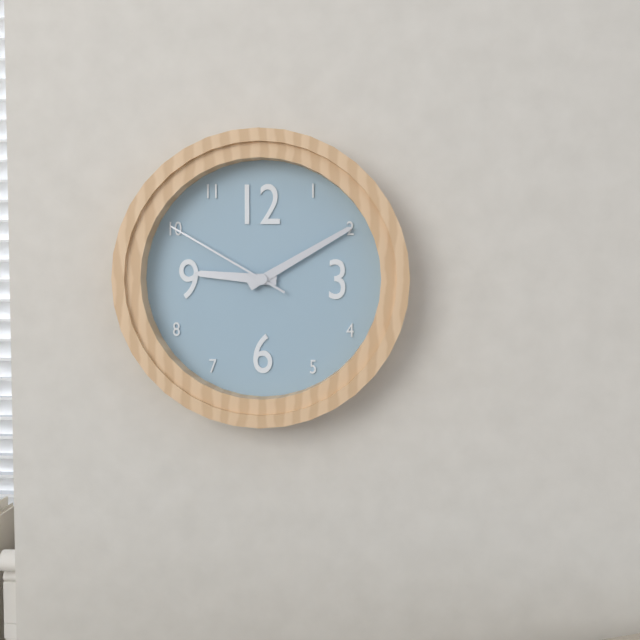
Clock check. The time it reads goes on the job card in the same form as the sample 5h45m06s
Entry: 9h10m50s
